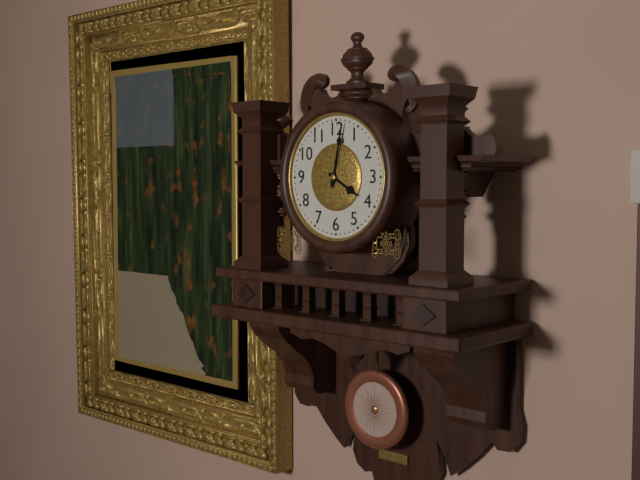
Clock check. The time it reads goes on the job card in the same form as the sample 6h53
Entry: 4h02
